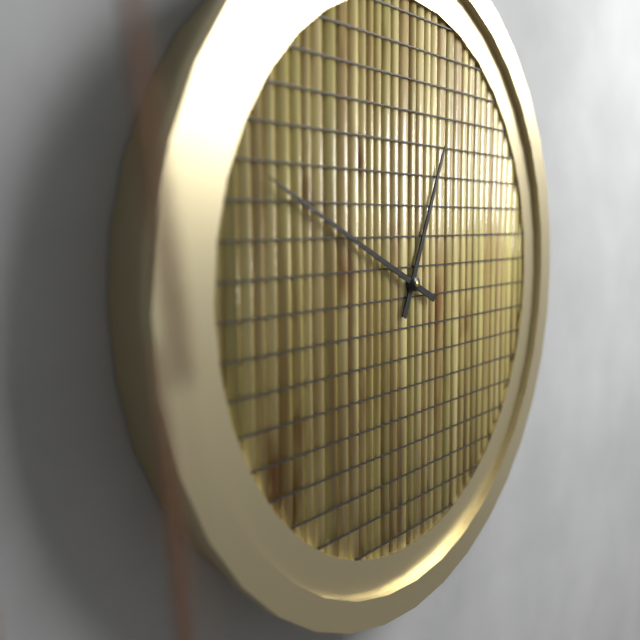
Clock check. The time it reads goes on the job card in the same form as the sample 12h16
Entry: 12h49
